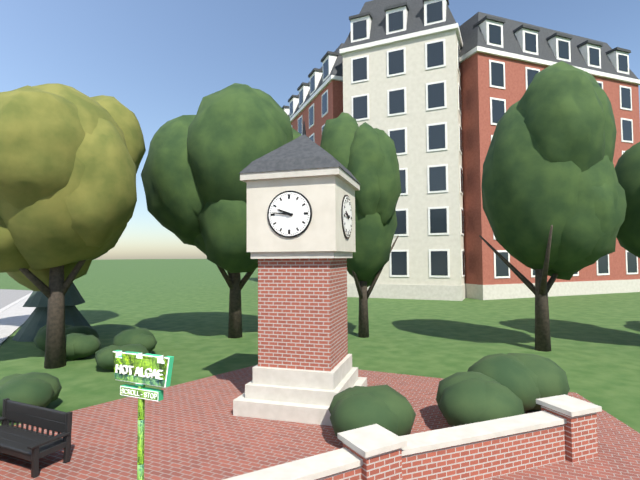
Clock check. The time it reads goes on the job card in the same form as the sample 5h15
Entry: 9h46
